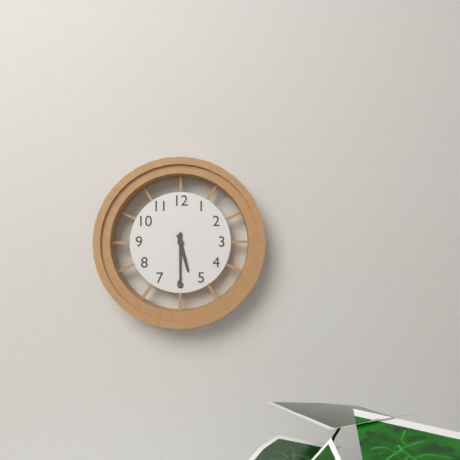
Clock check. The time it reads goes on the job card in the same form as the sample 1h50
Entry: 5h30
